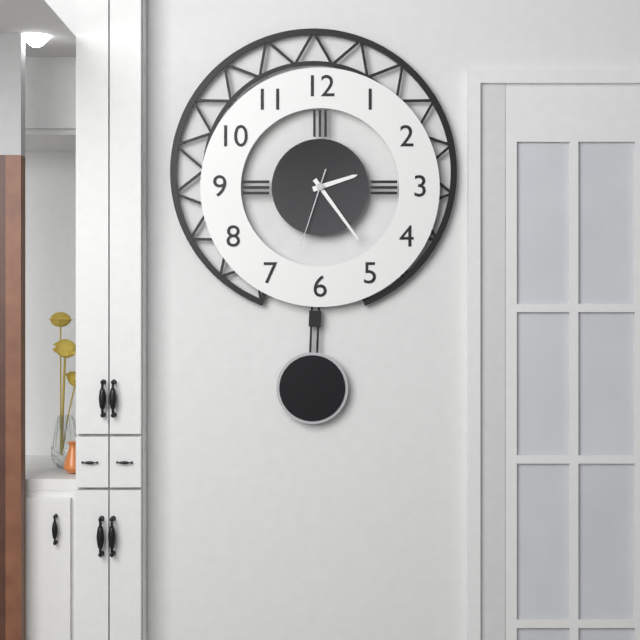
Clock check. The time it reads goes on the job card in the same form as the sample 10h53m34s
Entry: 2h24m33s
